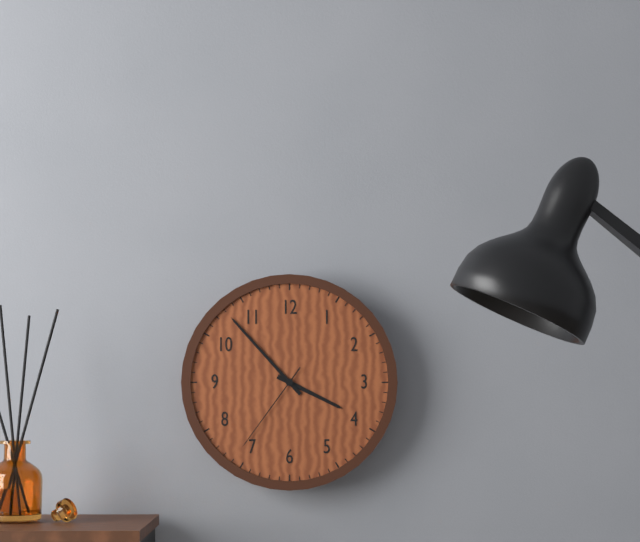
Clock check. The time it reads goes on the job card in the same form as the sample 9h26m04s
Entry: 3h53m36s
